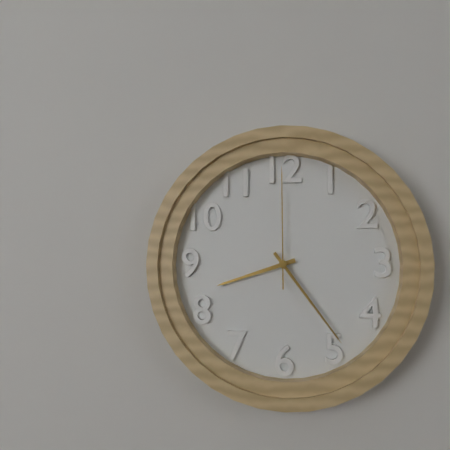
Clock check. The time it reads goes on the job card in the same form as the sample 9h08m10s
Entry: 8h24m00s
